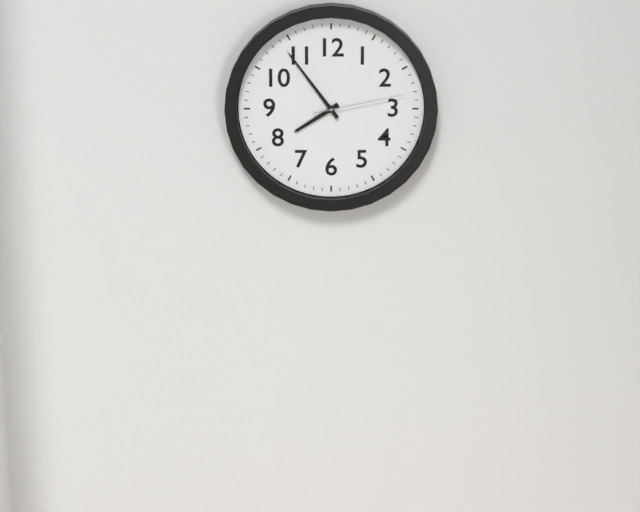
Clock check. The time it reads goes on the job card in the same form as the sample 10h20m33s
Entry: 7h54m13s
